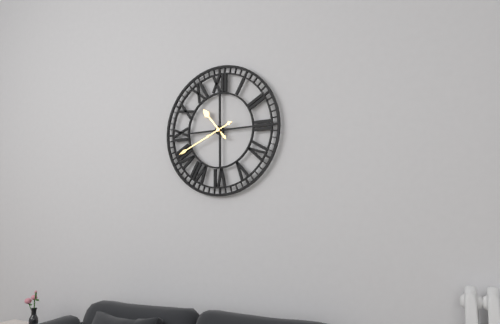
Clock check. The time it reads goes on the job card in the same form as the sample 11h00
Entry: 10h41
